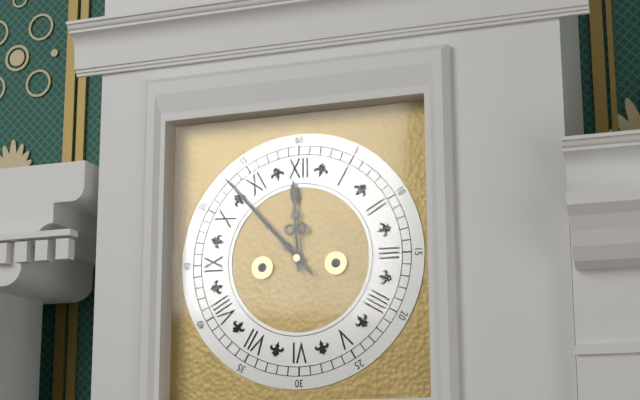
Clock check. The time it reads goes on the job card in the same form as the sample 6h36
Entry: 11h53
